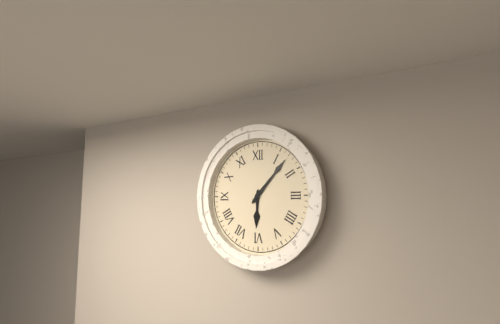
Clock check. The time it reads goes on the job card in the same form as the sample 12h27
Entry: 6h07
